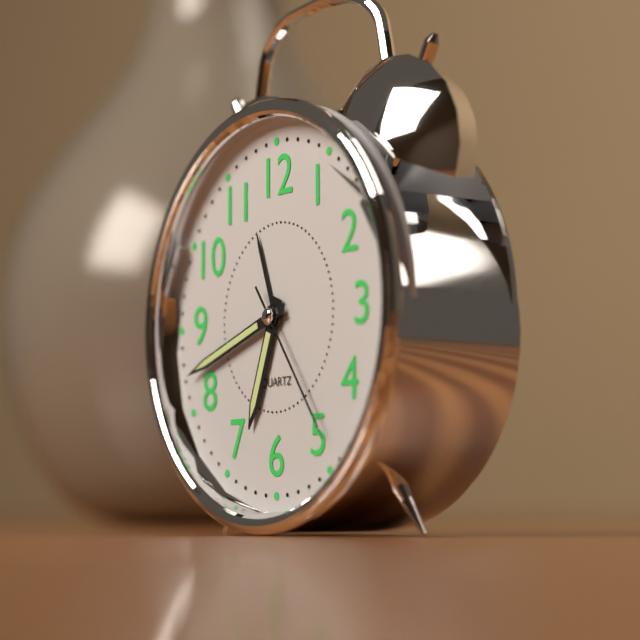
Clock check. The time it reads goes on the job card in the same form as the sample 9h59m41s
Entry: 6h42m24s
